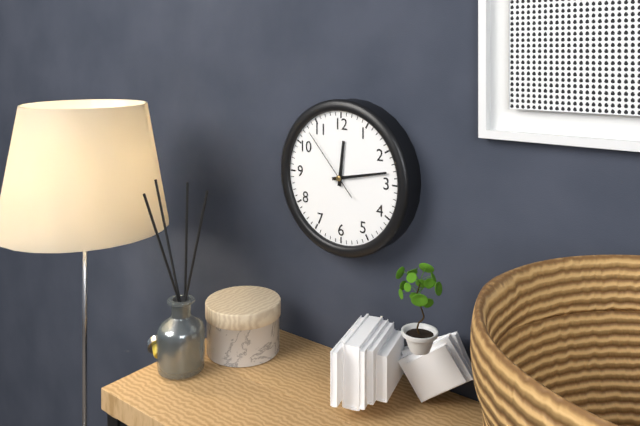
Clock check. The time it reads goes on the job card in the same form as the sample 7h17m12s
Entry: 12h13m53s
